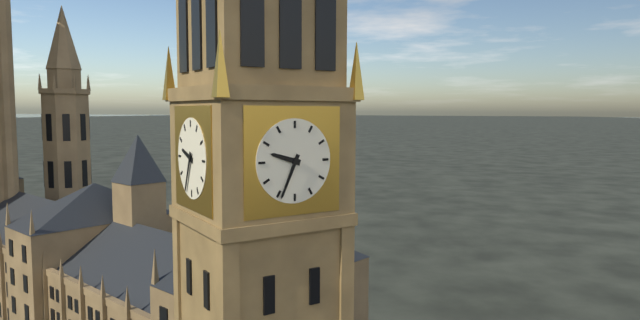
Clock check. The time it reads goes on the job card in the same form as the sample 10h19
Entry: 9h34
